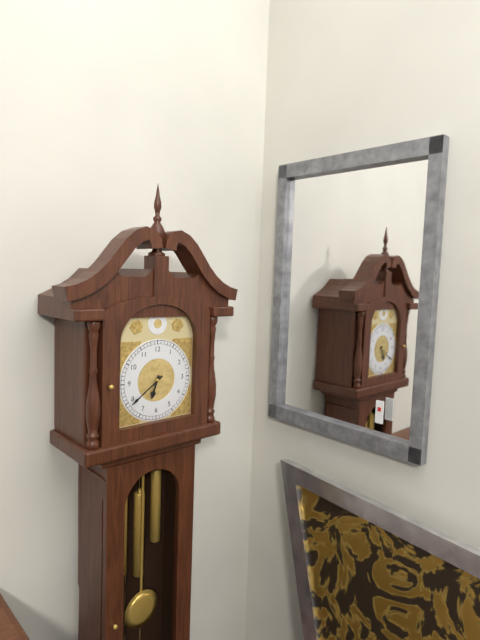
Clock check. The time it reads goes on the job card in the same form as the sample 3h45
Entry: 6h39
